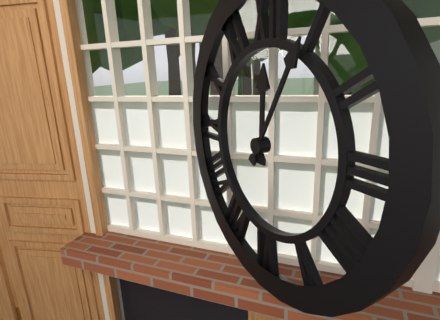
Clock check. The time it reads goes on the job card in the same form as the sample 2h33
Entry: 12h05
